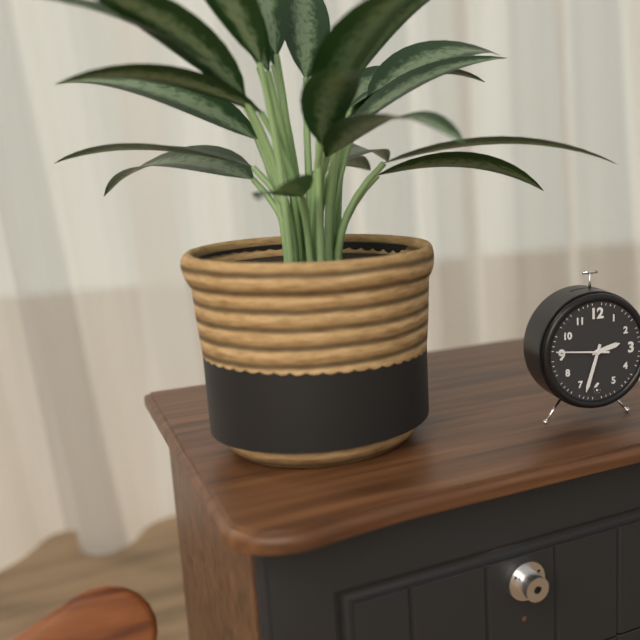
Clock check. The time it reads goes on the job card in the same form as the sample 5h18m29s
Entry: 2h33m46s
